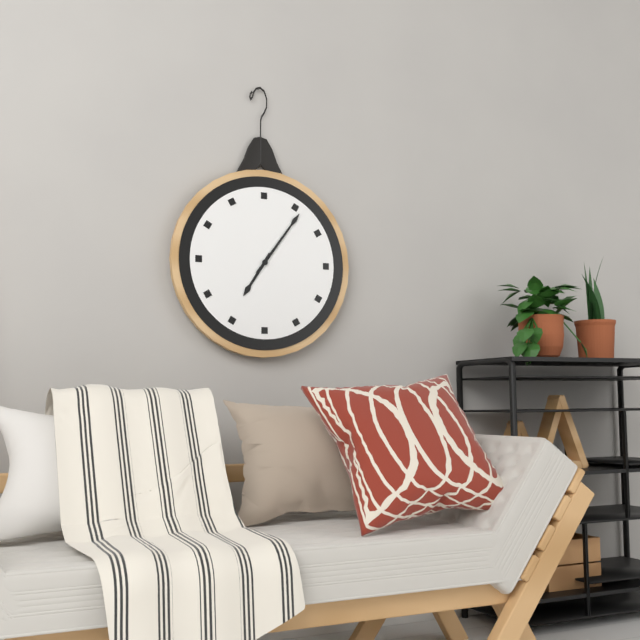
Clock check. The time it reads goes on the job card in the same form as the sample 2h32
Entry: 7h06
